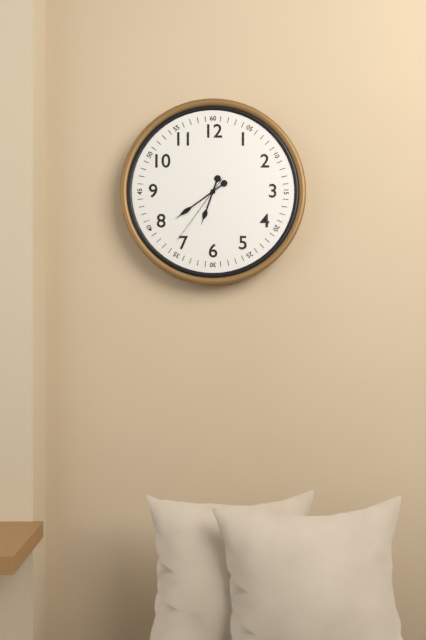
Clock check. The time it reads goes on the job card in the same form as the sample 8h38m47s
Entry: 6h39m36s
